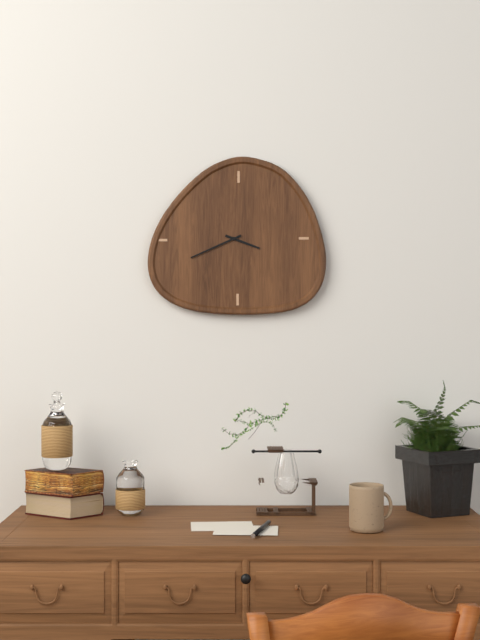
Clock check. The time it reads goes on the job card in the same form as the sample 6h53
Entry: 3h41
